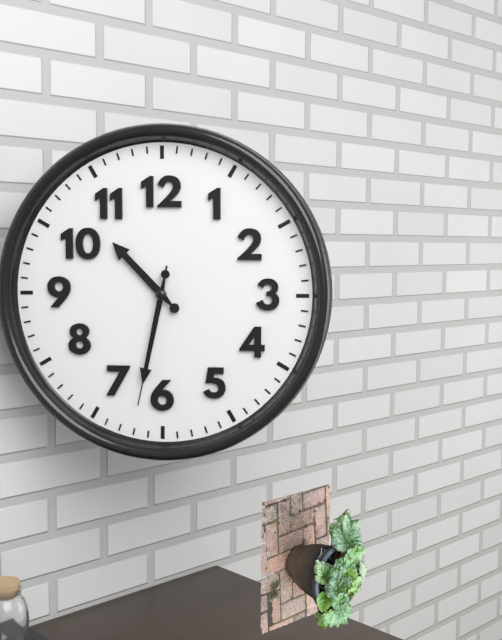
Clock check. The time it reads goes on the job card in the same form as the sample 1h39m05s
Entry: 10h32m32s
